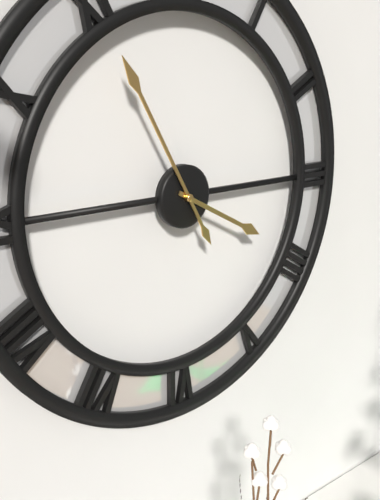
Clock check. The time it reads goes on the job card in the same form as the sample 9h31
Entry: 3h55
